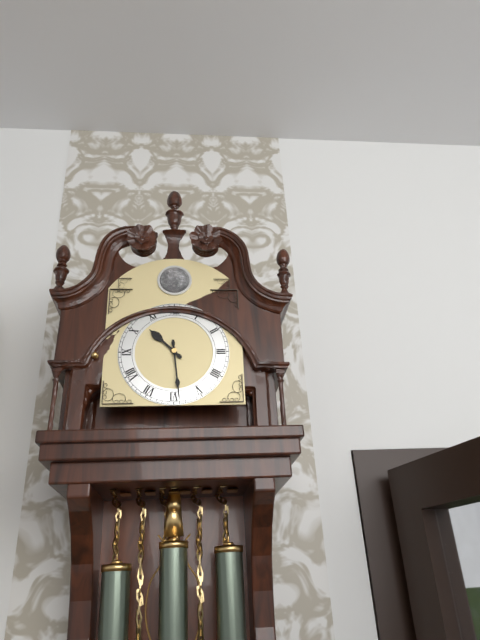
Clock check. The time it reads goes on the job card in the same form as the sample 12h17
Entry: 10h29
